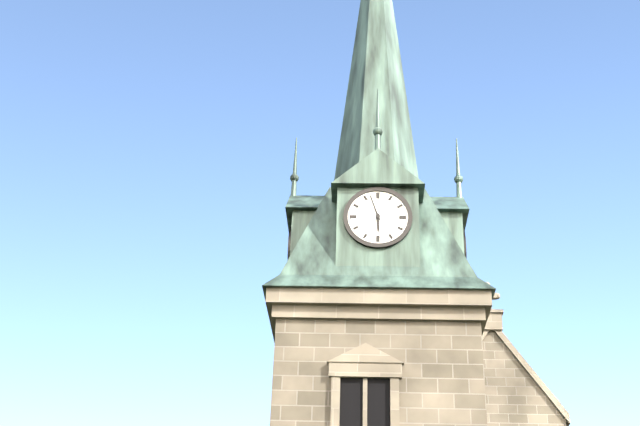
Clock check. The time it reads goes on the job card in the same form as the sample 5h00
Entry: 5h57
